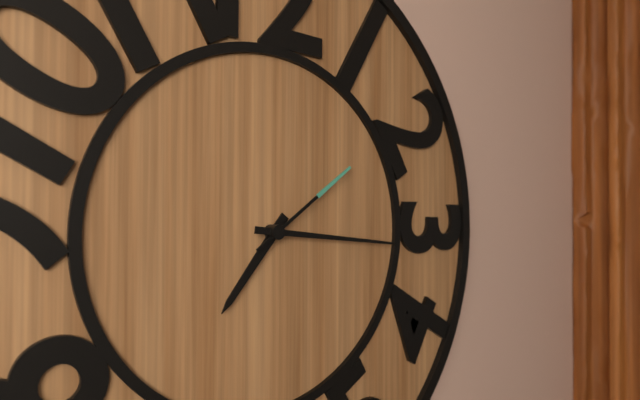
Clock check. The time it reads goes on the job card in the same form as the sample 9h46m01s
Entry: 7h16m09s
